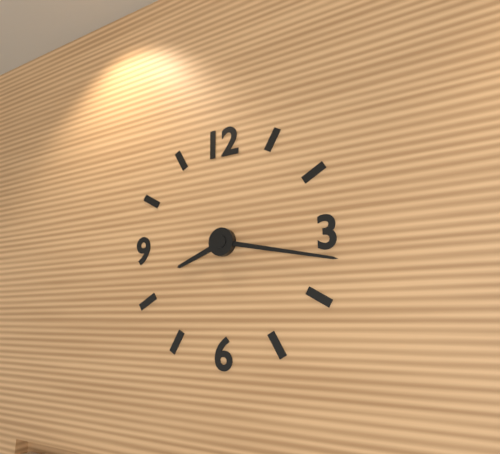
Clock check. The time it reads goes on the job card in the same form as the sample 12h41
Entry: 8h17
